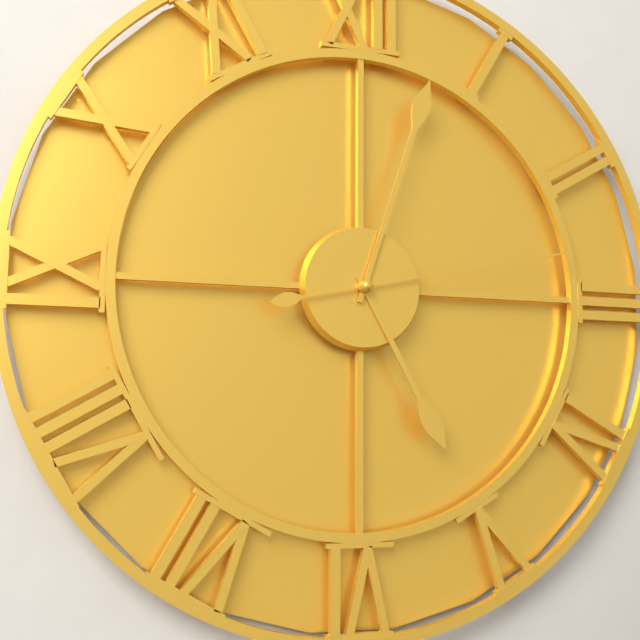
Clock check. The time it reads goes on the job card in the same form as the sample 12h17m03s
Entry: 5h03m13s
